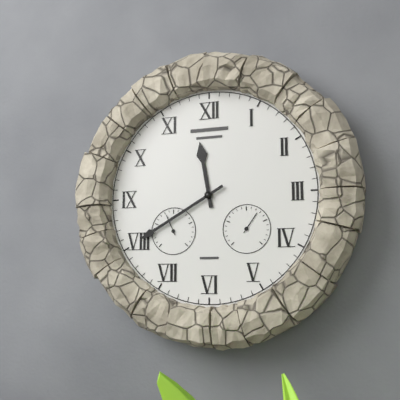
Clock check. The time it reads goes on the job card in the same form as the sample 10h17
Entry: 11h40
